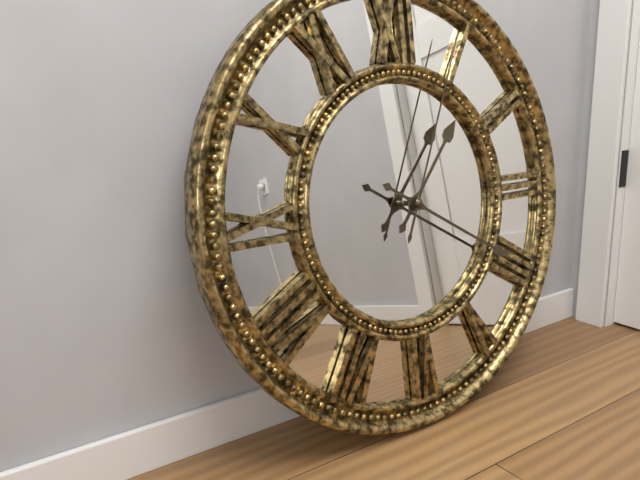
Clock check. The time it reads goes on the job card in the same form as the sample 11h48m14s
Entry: 1h20m04s
